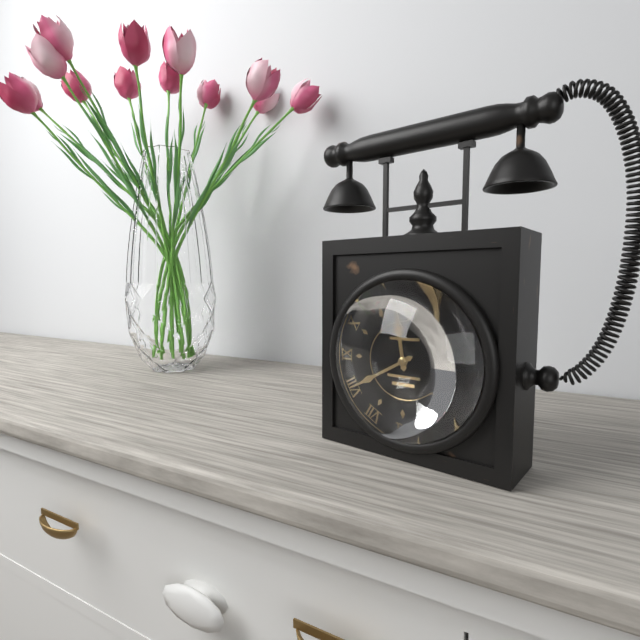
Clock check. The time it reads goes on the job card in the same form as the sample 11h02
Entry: 11h40
